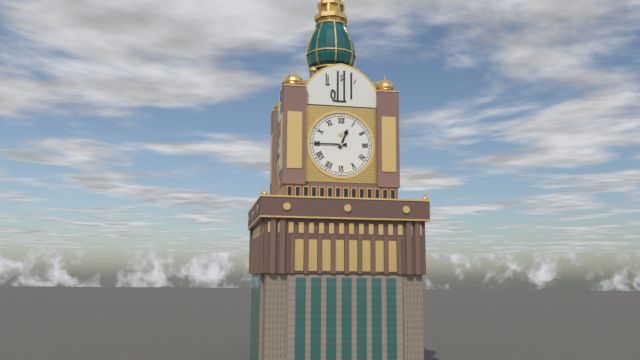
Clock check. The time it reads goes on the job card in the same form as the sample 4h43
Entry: 12h45
